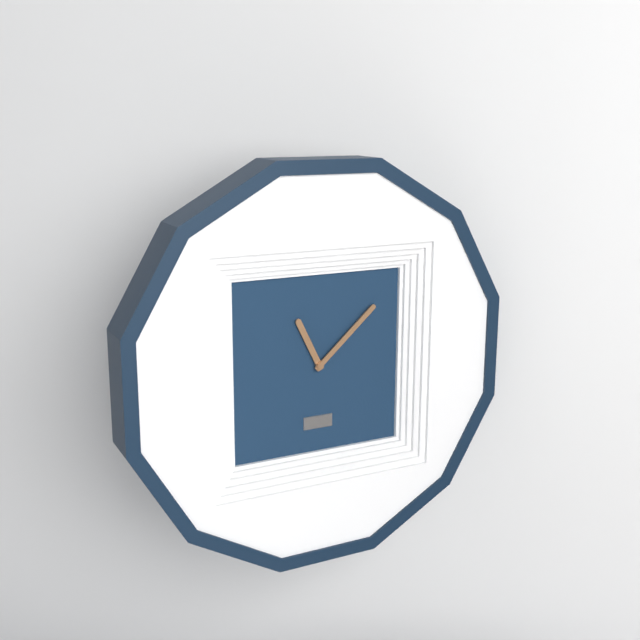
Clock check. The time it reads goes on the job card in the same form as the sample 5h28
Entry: 11h08
